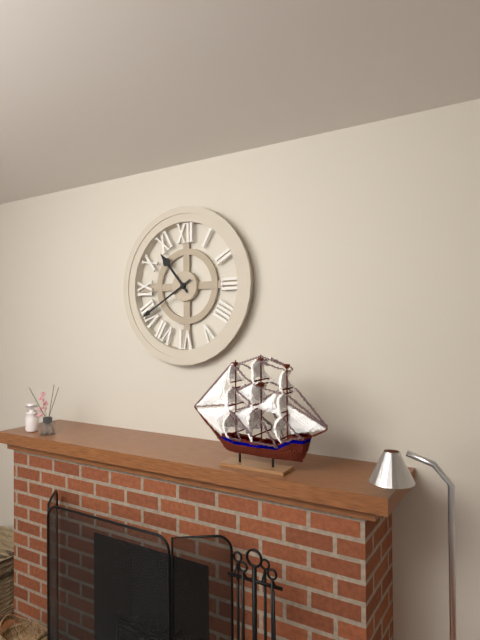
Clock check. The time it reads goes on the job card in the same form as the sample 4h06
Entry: 10h40
